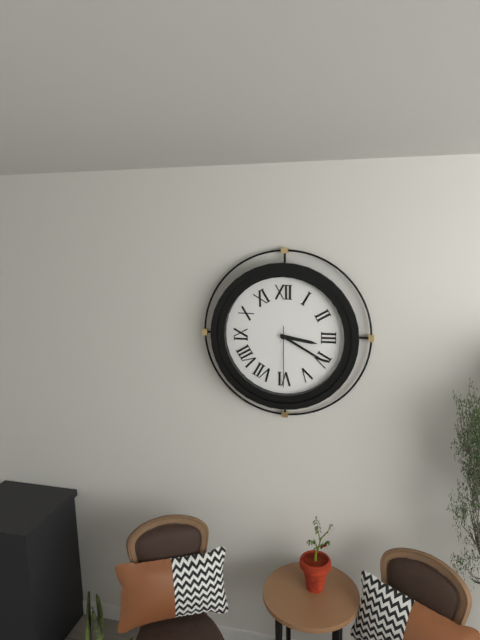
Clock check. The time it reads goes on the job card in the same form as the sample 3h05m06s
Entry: 3h20m30s
